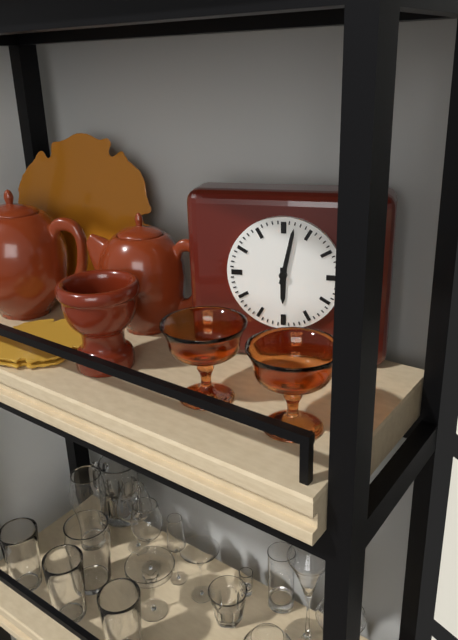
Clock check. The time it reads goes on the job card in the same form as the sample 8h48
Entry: 6h02
